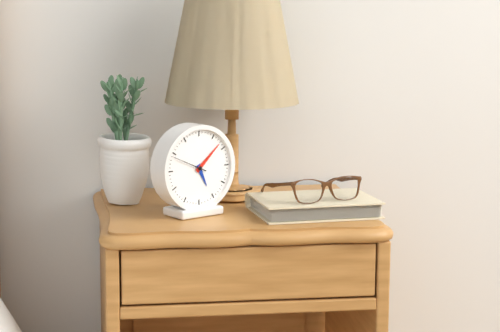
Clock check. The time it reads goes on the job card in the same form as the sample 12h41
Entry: 5h08
